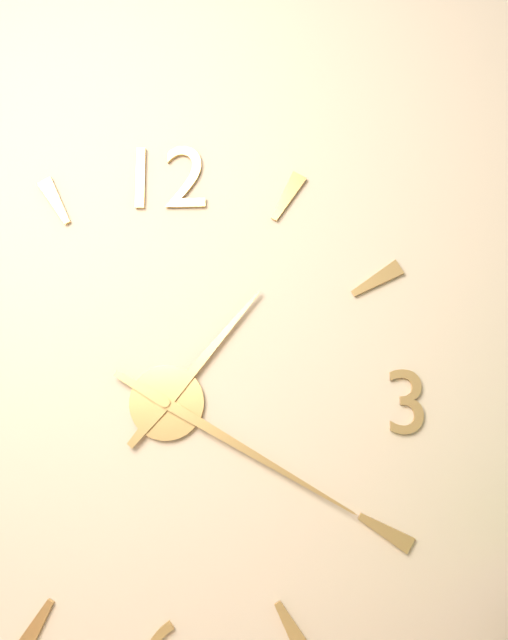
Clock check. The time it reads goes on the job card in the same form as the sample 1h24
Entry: 1h20
